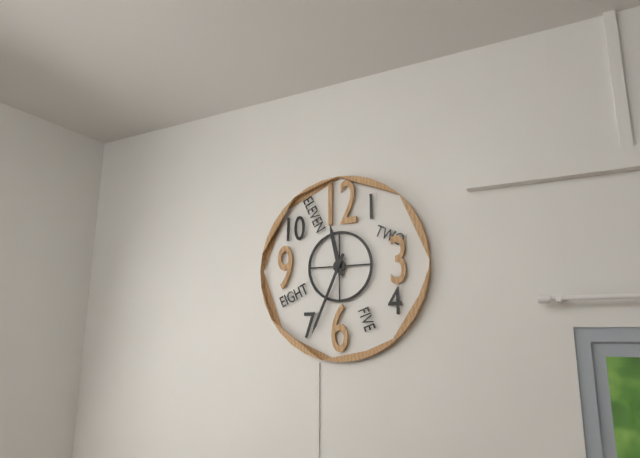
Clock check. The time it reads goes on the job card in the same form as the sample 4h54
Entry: 11h34
